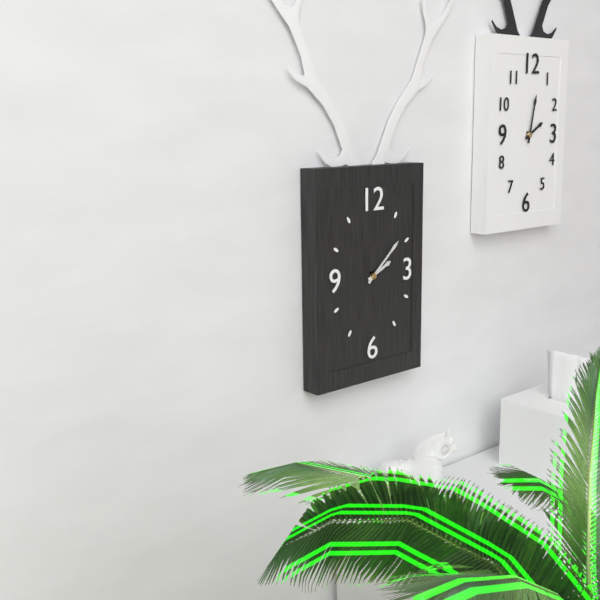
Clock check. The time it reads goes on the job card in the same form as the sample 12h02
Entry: 2h08
